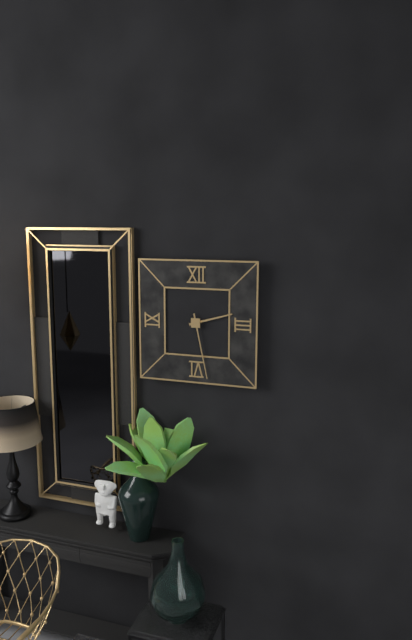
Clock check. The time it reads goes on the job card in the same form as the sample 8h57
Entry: 2h28
